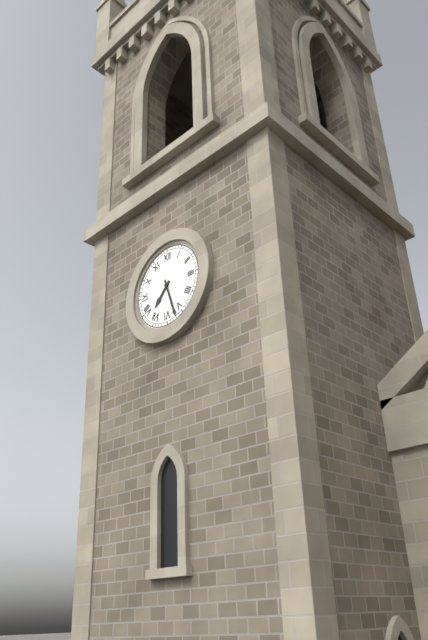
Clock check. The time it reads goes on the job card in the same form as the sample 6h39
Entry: 7h27
